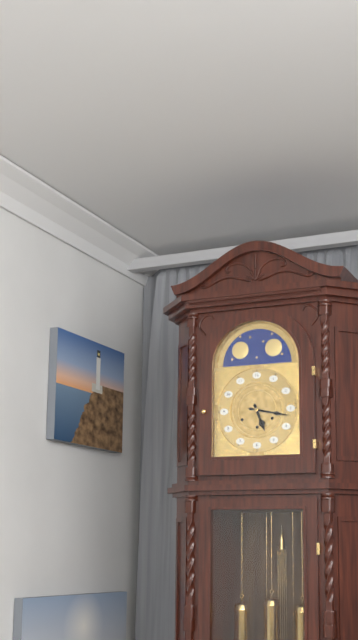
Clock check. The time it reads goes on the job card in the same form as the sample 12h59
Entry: 5h17
